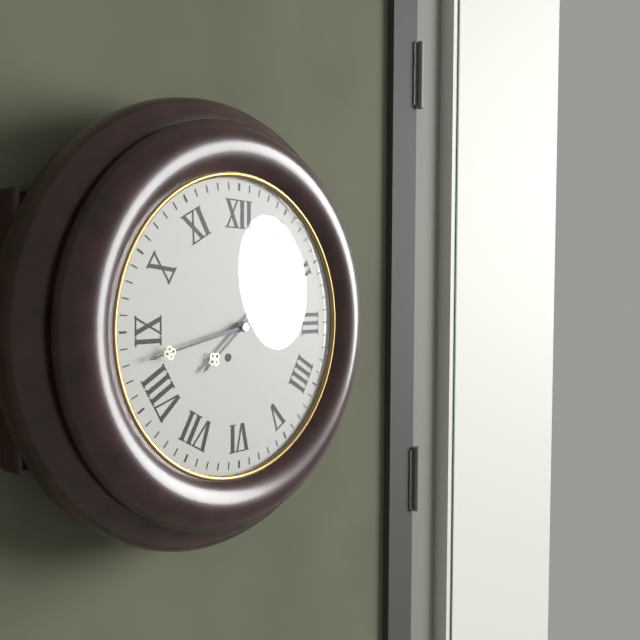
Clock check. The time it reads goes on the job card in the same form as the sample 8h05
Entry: 7h43
